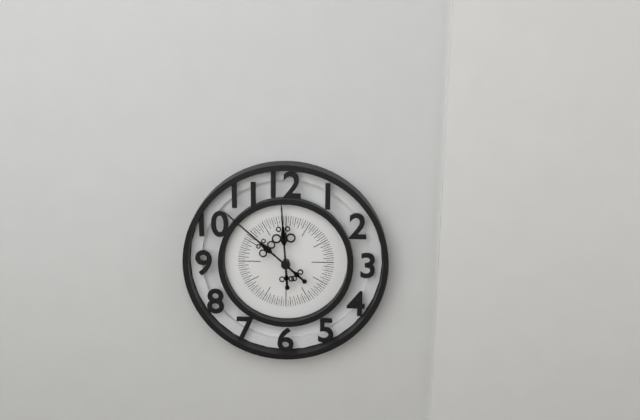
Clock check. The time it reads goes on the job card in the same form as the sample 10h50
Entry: 11h52
